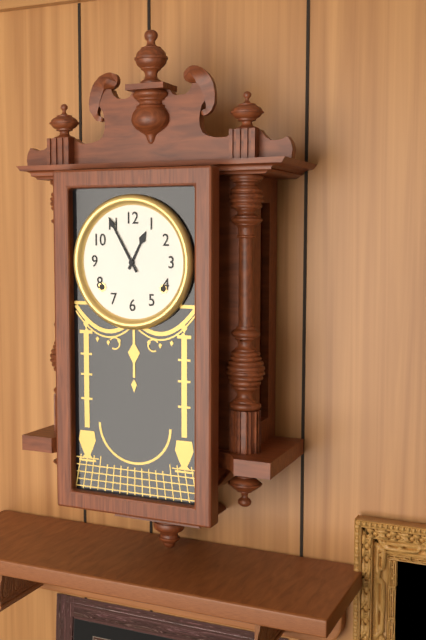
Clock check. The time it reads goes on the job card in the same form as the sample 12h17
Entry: 12h55
